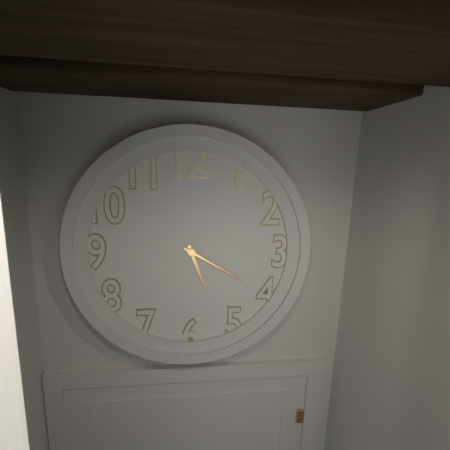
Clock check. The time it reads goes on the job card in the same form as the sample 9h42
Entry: 5h20
